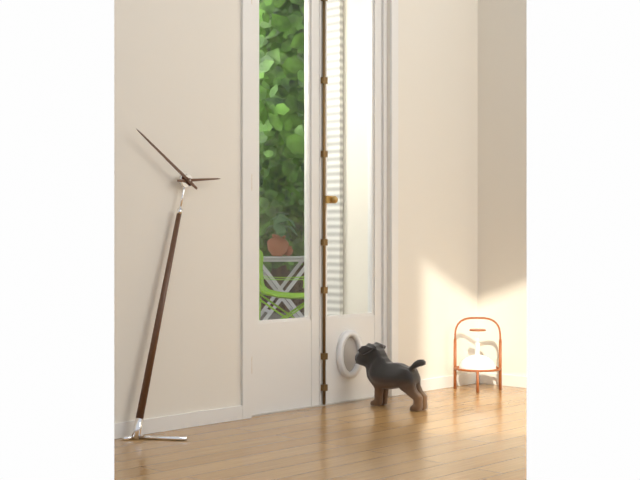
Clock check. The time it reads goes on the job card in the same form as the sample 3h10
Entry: 2h51
